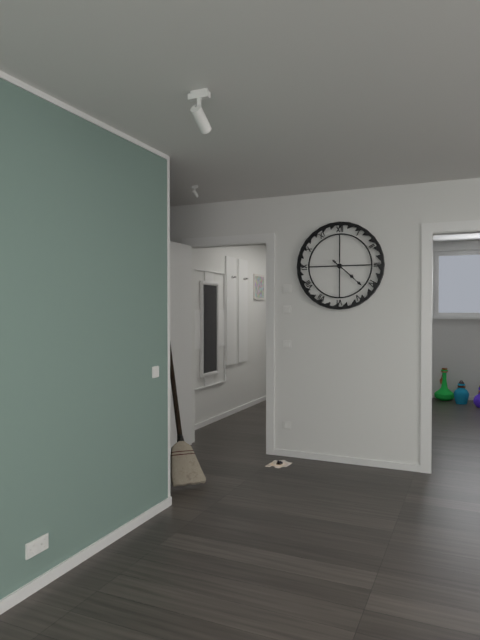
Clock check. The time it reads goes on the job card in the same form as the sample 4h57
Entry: 4h22
